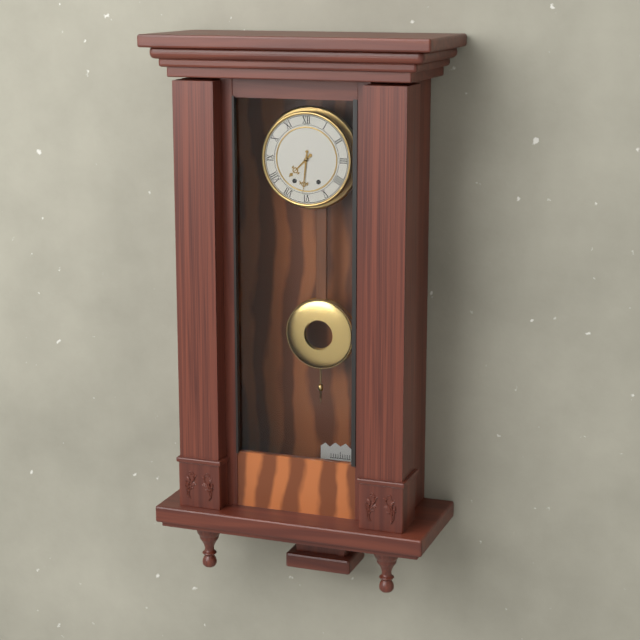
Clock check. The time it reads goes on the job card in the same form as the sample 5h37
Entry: 7h31
